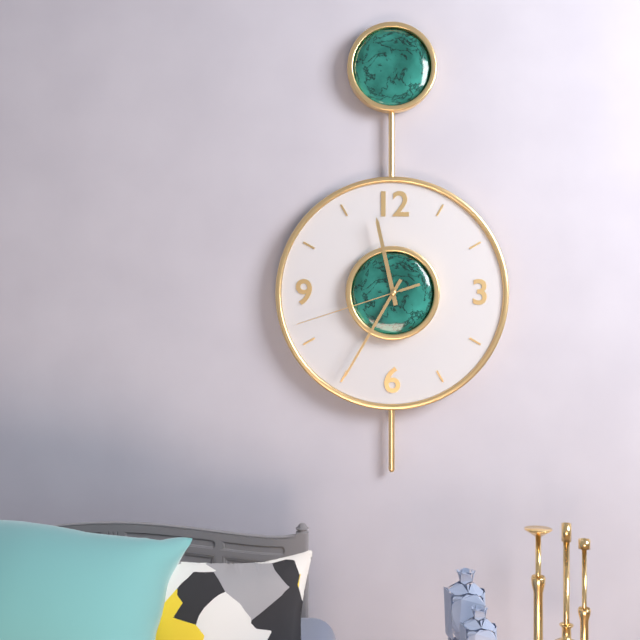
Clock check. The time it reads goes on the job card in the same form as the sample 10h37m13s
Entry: 11h35m42s
